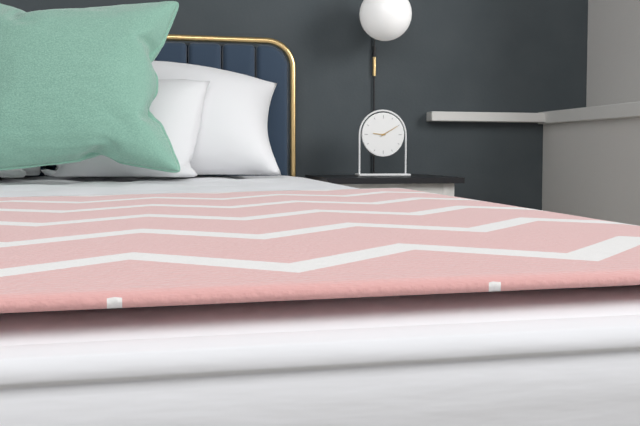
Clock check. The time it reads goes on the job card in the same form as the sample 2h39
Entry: 9h10
